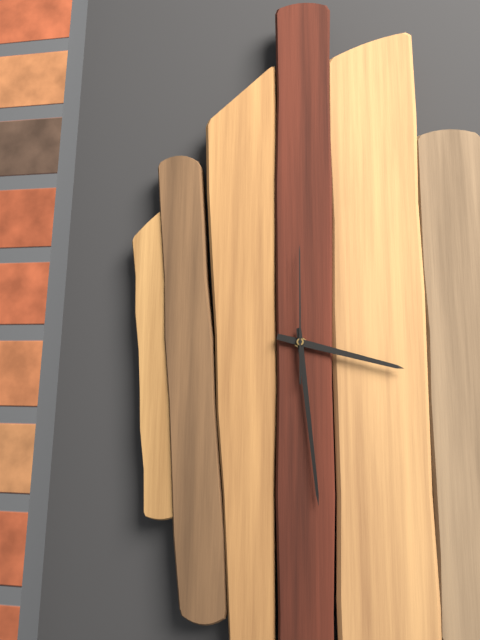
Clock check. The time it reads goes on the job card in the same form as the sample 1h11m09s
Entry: 3h29m00s
